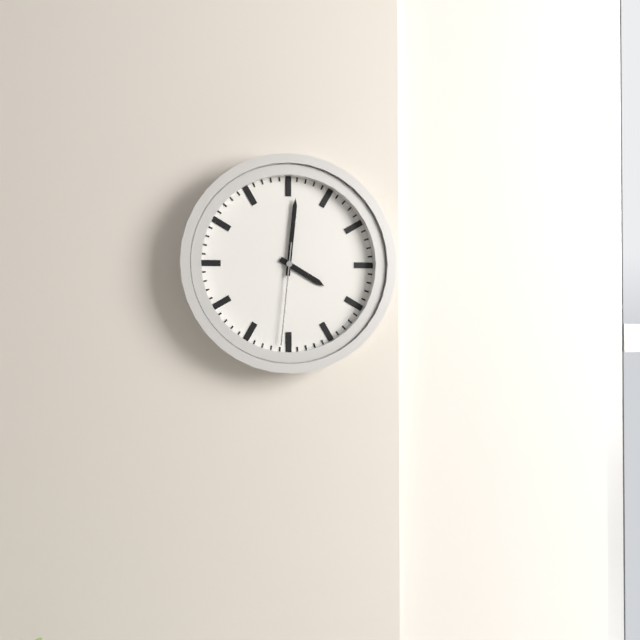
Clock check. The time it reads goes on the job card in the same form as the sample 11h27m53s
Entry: 4h01m31s
